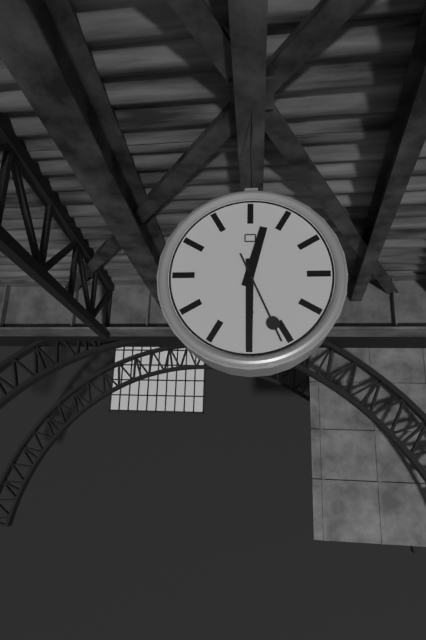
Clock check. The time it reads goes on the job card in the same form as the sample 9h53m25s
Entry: 12h30m26s
